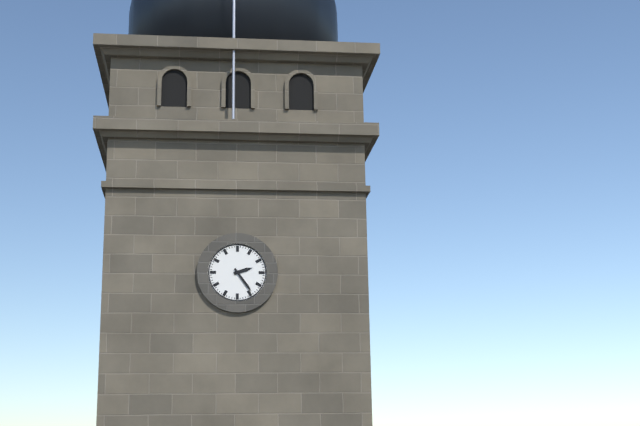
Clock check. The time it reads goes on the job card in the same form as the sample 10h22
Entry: 2h24
